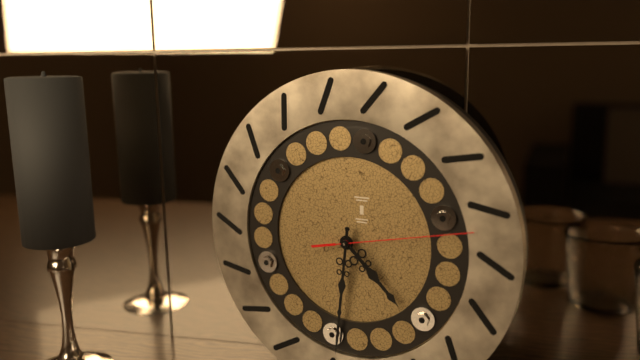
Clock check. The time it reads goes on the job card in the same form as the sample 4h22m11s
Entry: 4h31m13s
